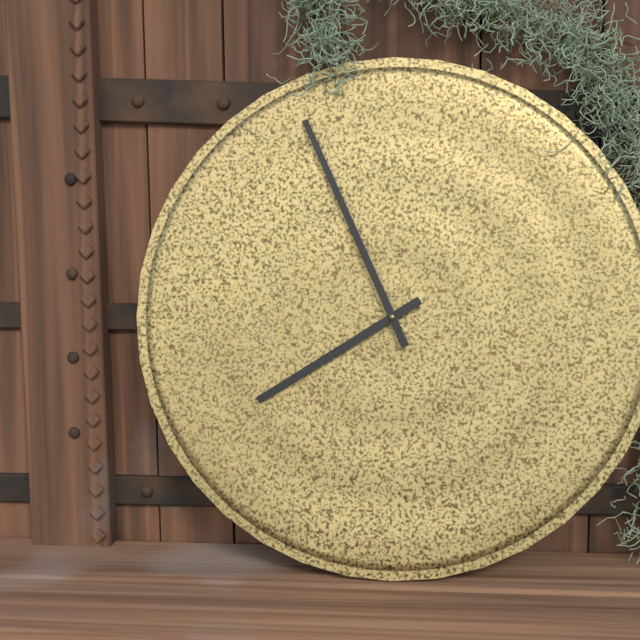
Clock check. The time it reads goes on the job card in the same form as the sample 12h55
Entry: 7h56
